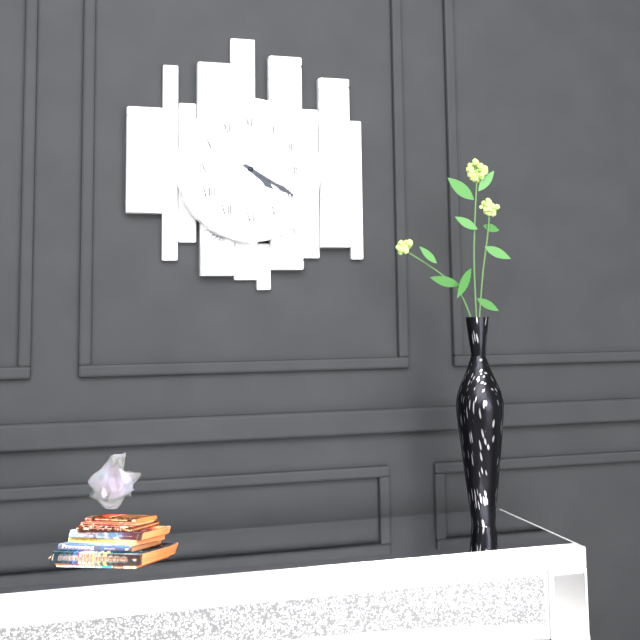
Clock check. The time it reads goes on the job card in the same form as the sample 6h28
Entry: 4h20
